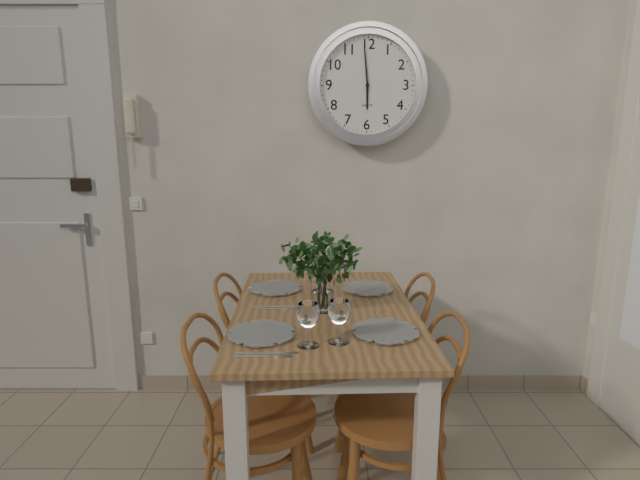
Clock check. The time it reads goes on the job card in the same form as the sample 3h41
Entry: 5h59
